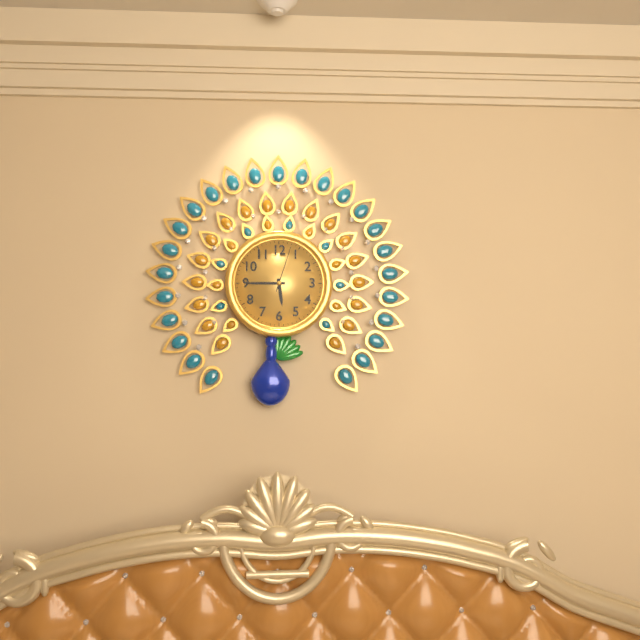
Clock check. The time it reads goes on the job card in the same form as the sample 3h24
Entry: 5h45
